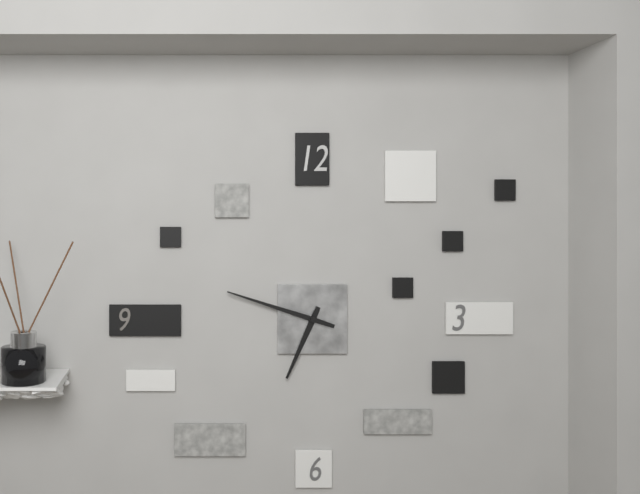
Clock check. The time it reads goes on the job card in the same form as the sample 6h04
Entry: 6h48
